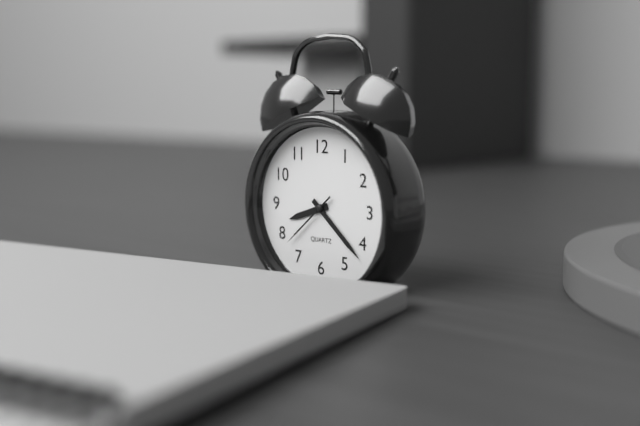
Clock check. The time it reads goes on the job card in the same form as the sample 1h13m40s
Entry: 8h22m38s
